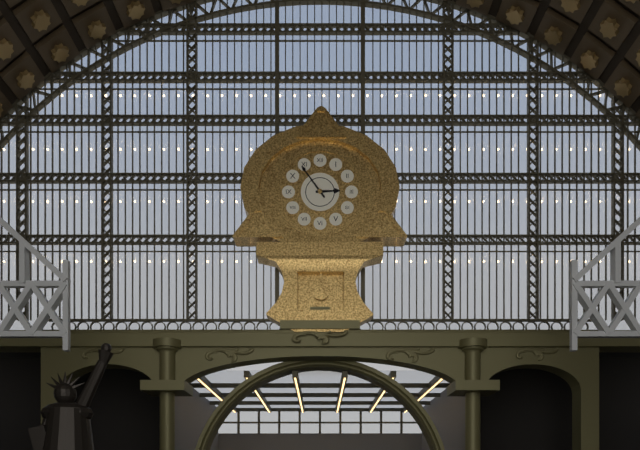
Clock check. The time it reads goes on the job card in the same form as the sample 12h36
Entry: 2h54
